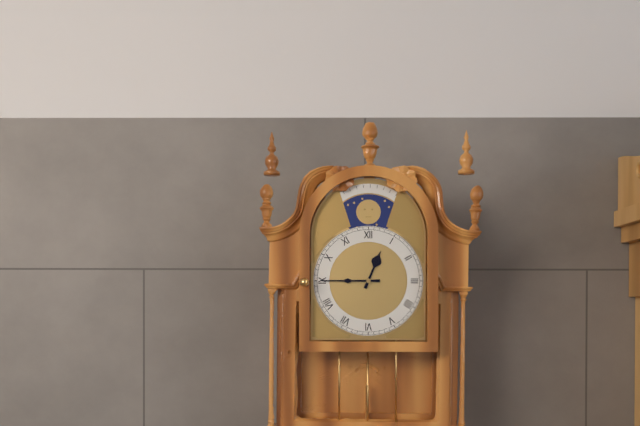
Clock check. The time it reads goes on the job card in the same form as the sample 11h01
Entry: 12h45
